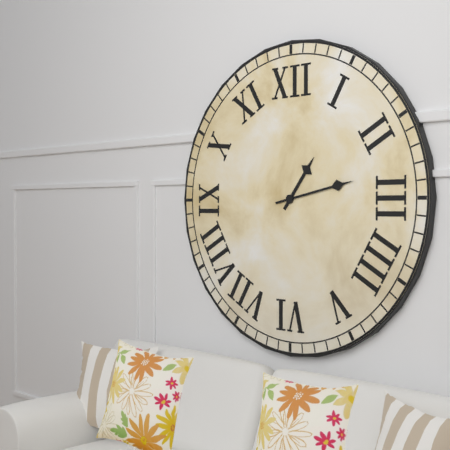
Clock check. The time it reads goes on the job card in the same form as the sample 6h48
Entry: 1h13
